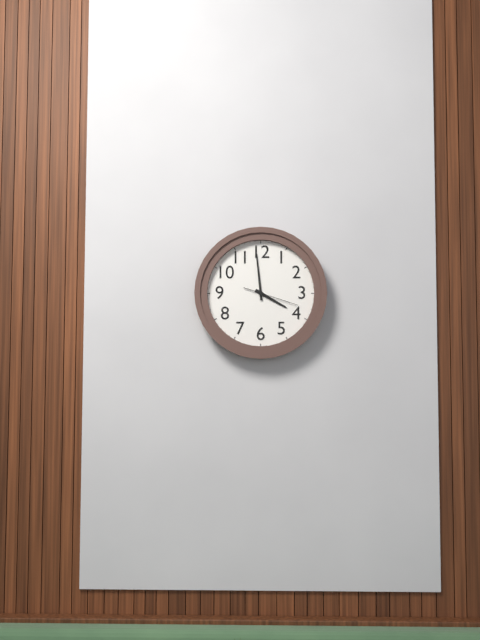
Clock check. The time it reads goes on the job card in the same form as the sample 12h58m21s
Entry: 3h59m18s
